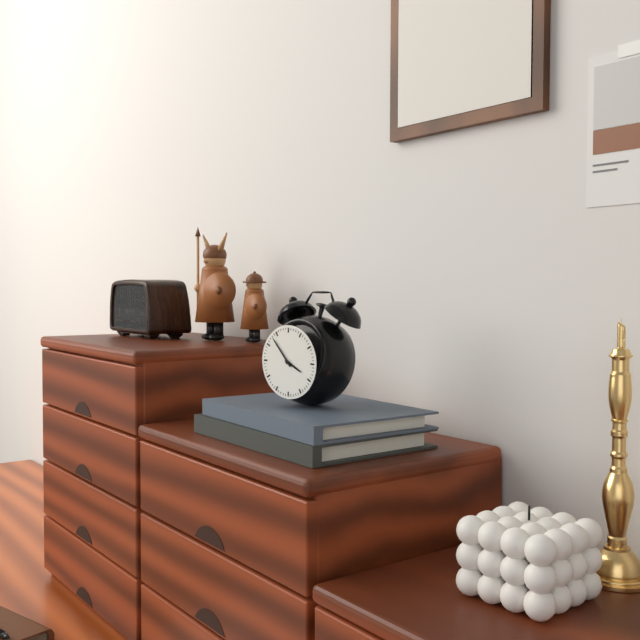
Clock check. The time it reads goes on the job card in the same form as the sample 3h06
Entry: 3h53
